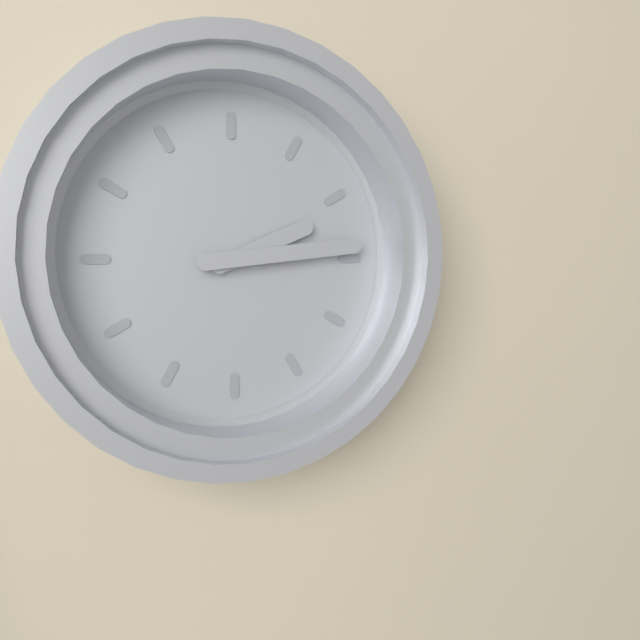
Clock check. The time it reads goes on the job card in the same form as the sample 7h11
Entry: 2h14
